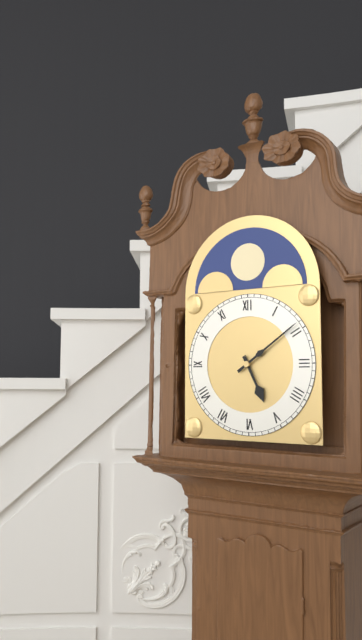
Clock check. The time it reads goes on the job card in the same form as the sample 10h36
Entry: 5h09
